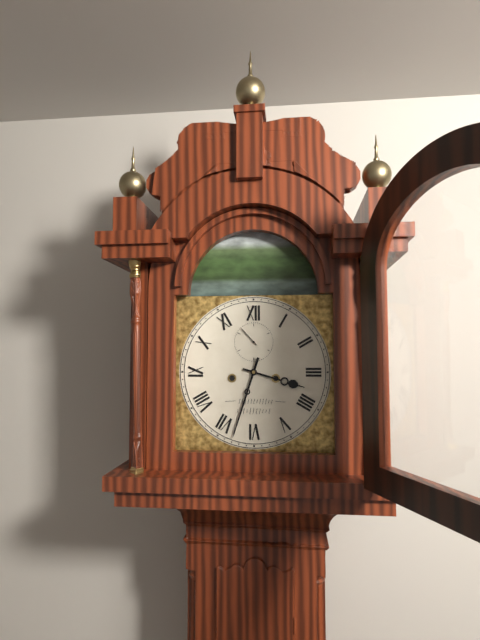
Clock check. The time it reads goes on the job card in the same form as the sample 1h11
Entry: 3h33
